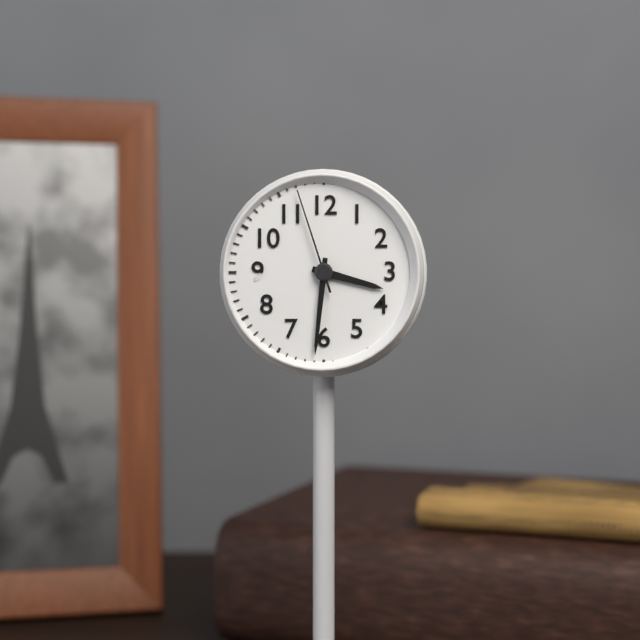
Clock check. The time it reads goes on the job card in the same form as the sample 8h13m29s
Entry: 3h31m57s
